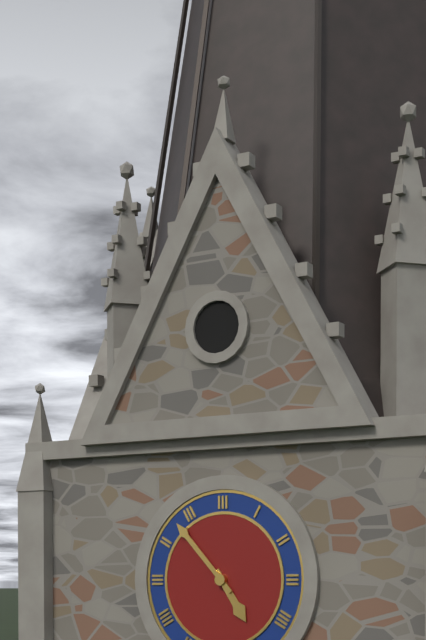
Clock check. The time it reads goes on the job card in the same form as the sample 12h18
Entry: 4h53
